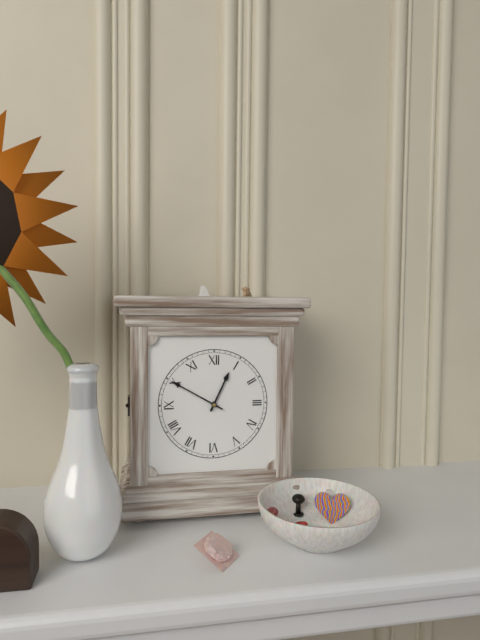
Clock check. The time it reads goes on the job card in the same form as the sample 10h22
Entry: 12h50
